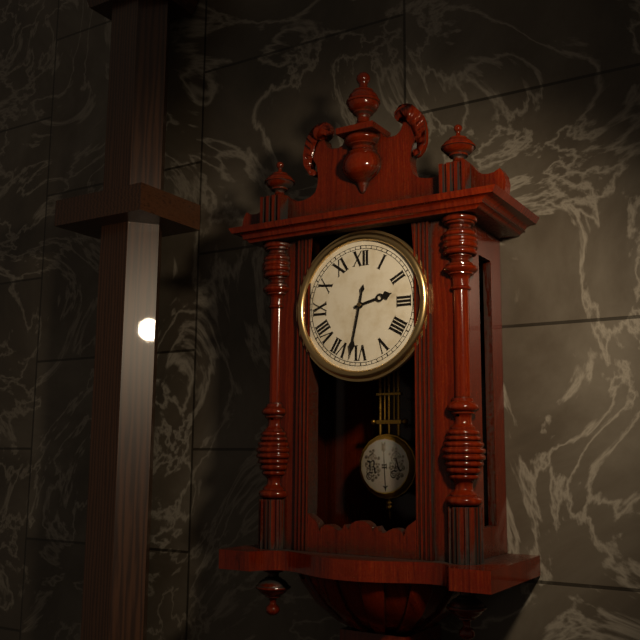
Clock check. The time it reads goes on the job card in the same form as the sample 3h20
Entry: 2h32
